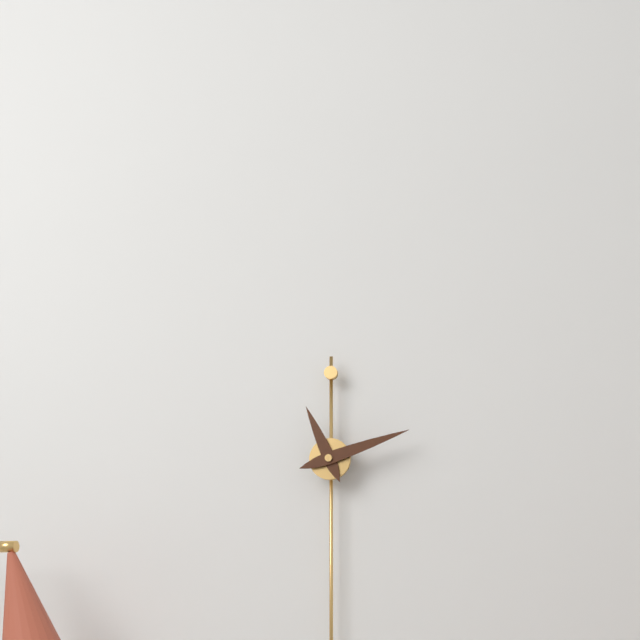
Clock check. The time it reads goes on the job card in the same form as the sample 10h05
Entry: 11h12
